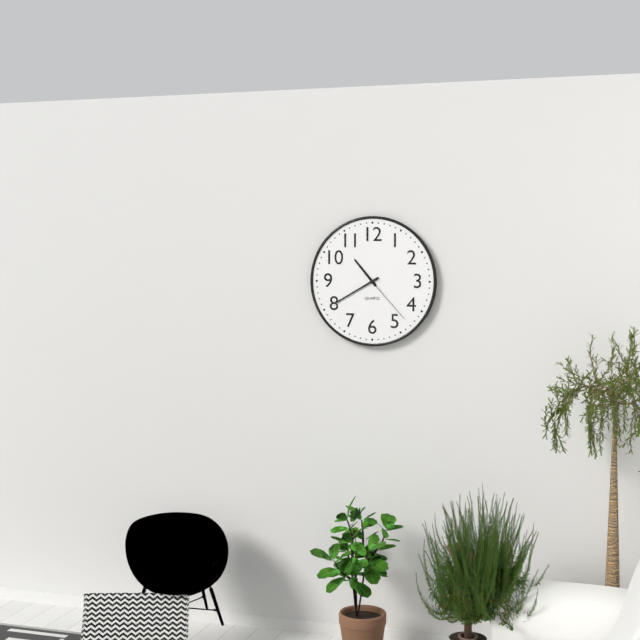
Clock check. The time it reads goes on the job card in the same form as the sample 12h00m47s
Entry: 10h40m23s
